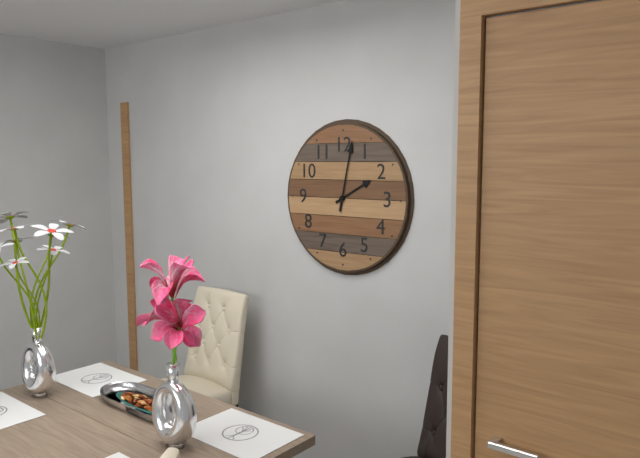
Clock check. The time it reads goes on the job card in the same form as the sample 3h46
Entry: 2h02
